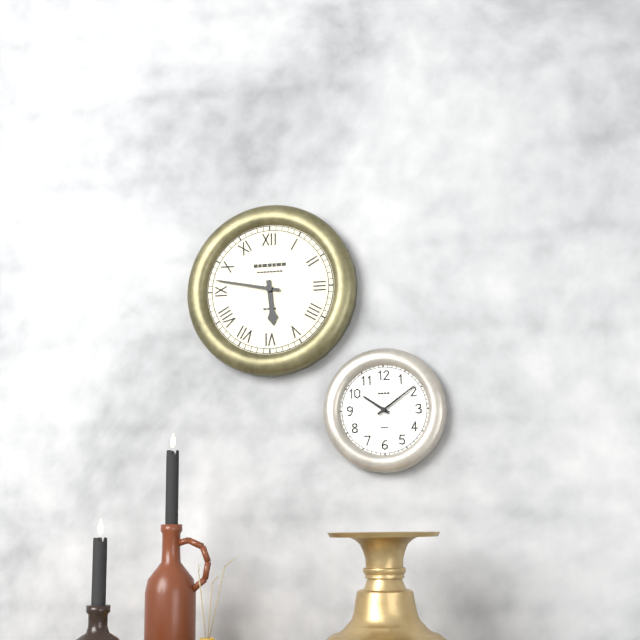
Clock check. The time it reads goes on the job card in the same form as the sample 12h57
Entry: 5h47
